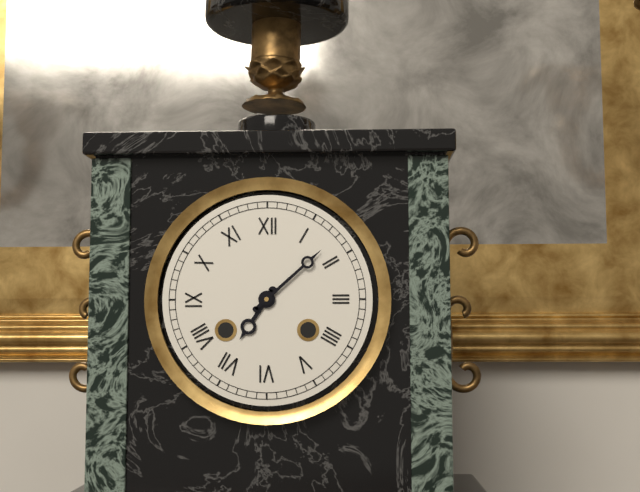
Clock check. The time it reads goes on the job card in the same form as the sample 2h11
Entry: 7h08
